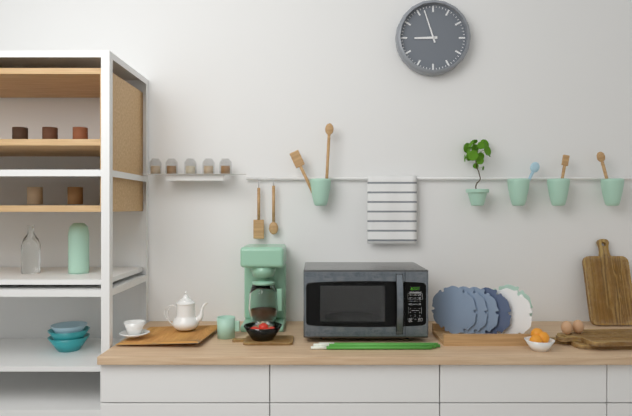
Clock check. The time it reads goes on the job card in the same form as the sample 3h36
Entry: 8h57
